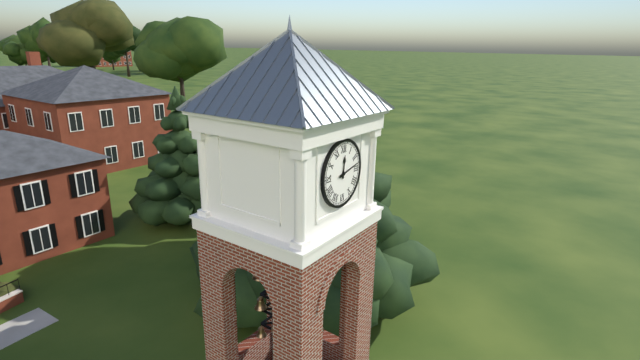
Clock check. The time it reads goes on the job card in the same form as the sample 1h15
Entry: 12h13
